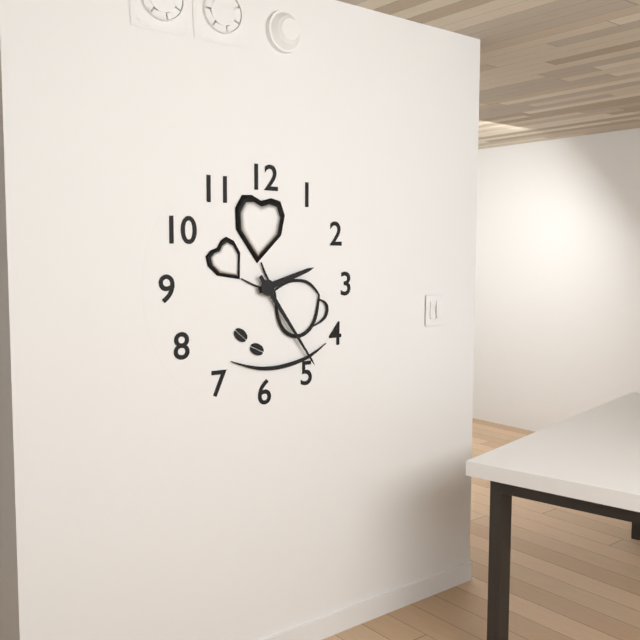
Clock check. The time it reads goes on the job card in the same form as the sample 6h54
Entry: 2h24
